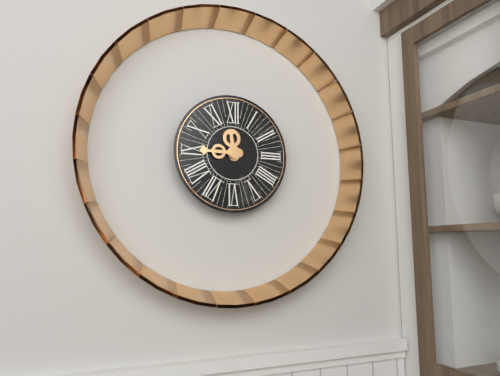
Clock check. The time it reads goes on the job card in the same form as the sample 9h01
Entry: 11h45
